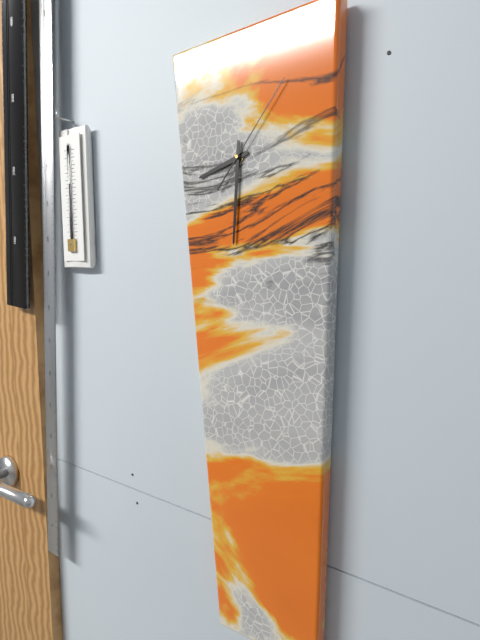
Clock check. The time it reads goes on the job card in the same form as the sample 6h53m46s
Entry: 8h31m07s
